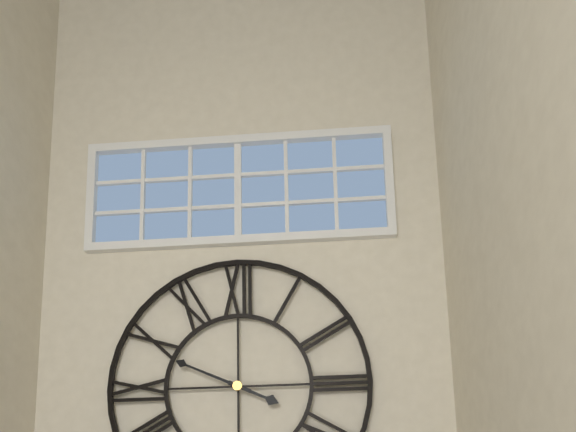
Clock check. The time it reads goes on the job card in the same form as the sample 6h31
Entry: 3h49
